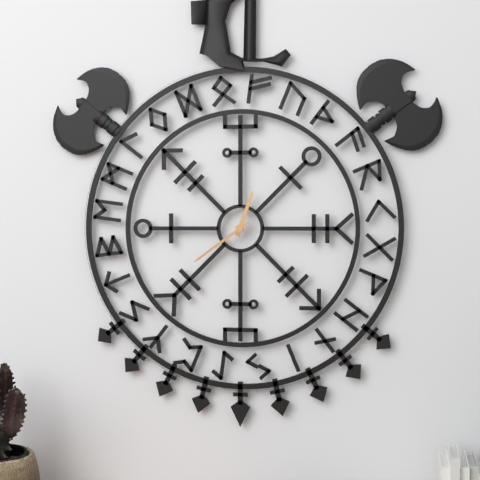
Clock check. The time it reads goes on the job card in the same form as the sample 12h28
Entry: 12h39
